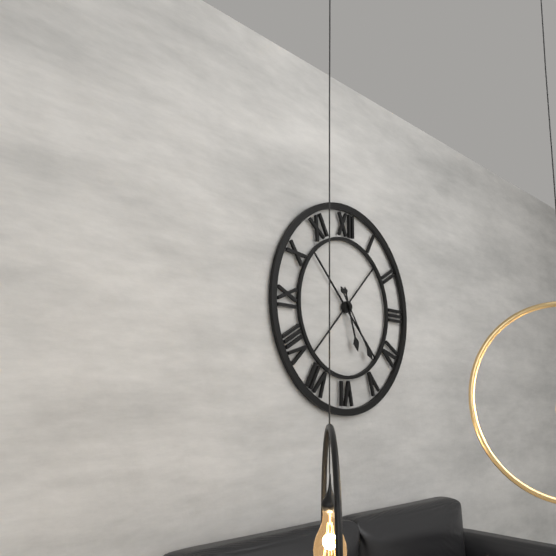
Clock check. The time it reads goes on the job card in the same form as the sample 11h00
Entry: 5h24
